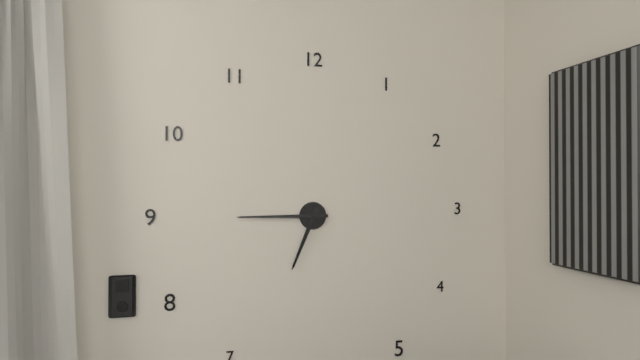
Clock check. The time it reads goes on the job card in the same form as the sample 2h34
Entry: 6h45
